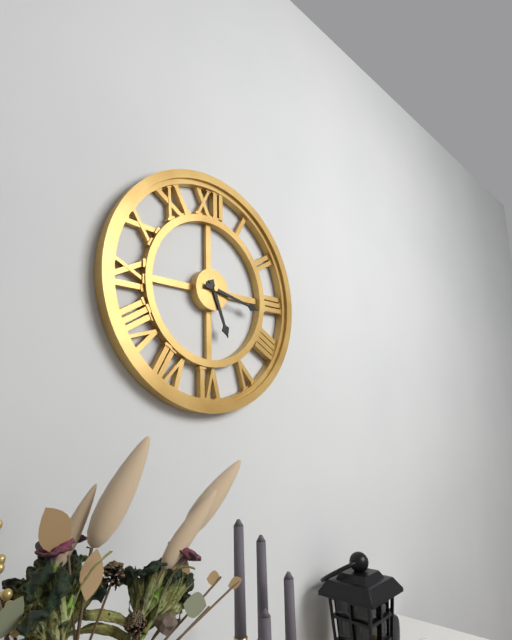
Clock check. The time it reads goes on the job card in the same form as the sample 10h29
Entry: 5h17
